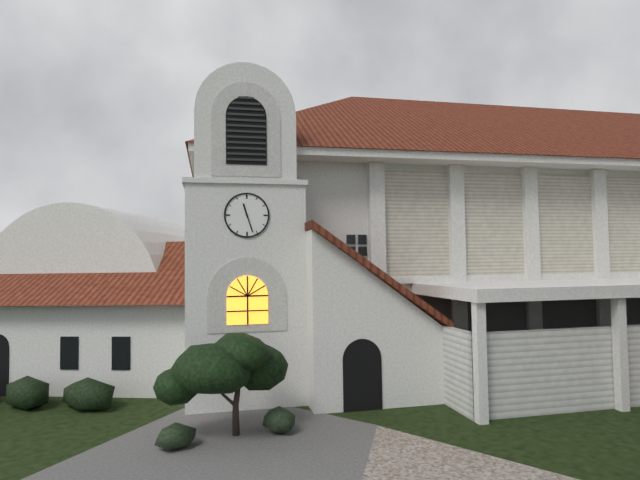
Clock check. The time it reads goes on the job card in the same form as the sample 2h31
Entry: 11h27
